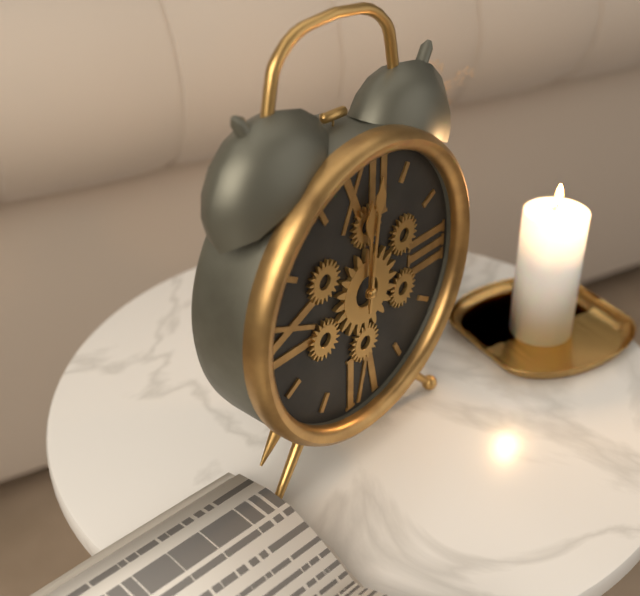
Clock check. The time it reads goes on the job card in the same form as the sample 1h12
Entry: 12h01
